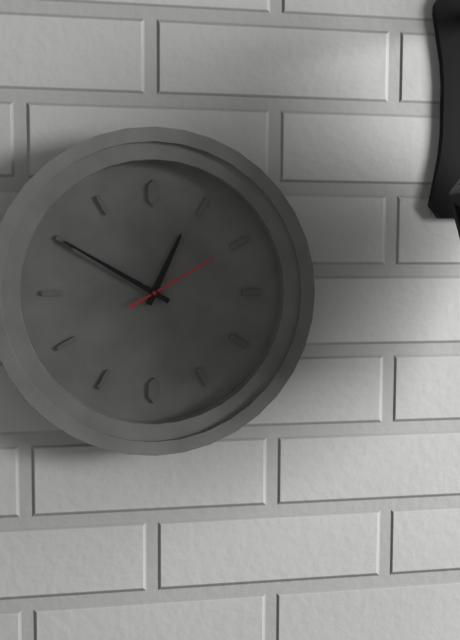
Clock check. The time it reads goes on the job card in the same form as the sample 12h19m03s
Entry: 12h50m10s
